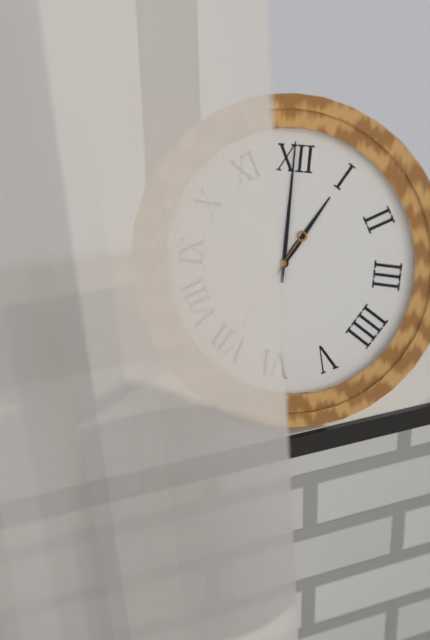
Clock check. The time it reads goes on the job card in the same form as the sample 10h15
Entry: 1h00
